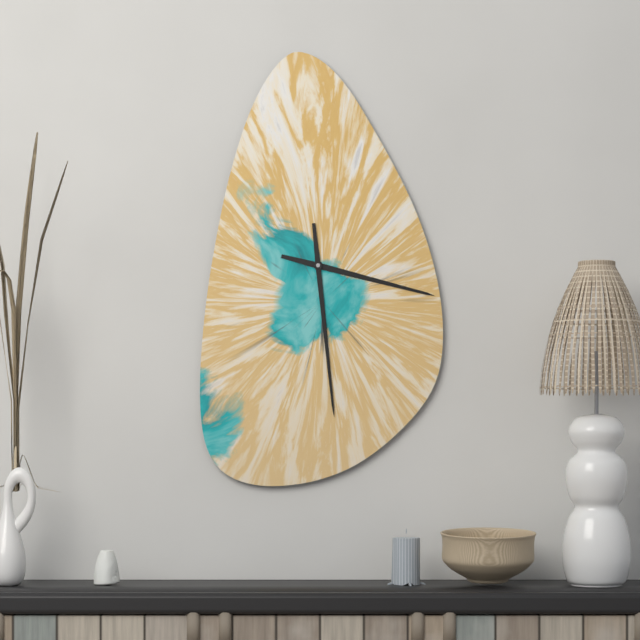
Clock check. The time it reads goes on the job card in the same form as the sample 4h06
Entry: 3h29
